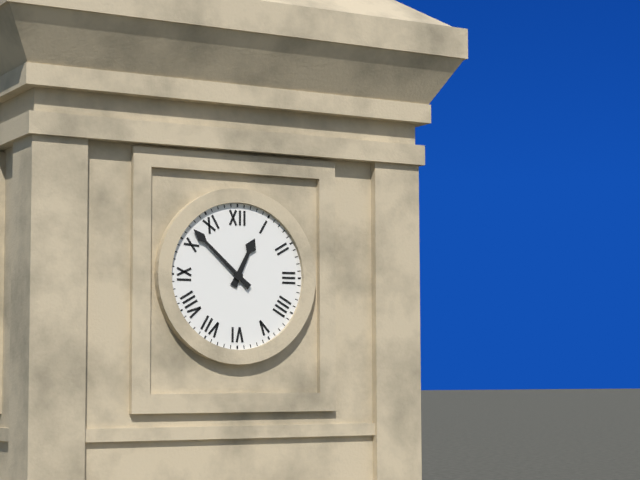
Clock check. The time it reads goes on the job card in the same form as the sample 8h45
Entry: 12h52
